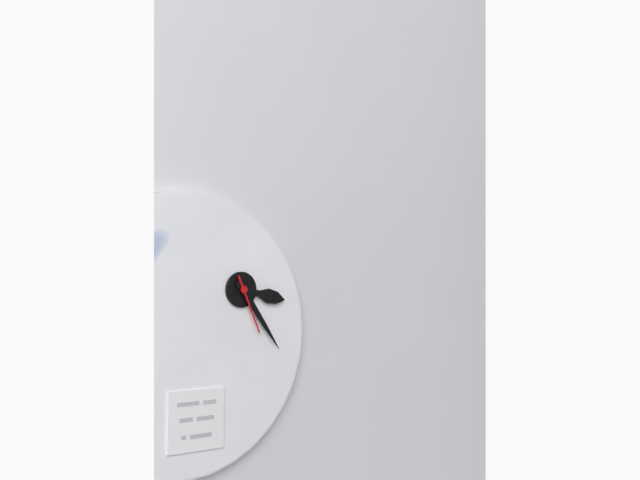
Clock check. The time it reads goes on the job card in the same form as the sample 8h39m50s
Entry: 3h24m26s
